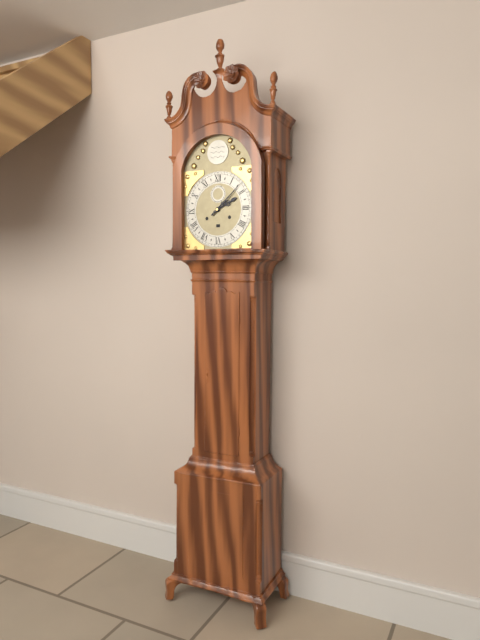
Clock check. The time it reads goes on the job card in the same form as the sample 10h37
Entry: 2h08
